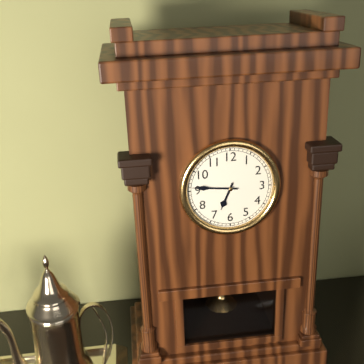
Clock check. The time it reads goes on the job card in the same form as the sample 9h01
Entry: 6h46
